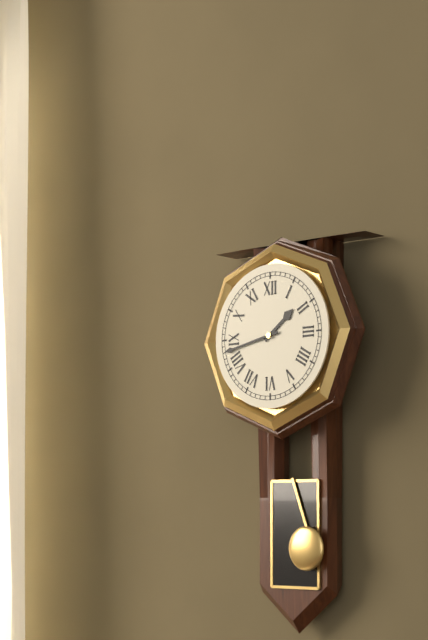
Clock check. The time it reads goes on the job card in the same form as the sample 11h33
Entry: 1h43
